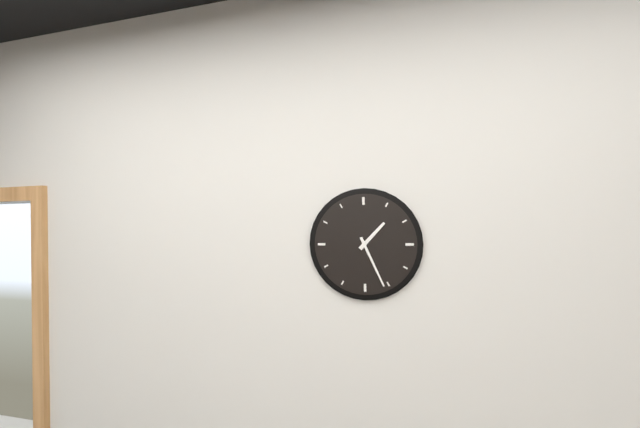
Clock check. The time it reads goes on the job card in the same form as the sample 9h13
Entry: 1h26
